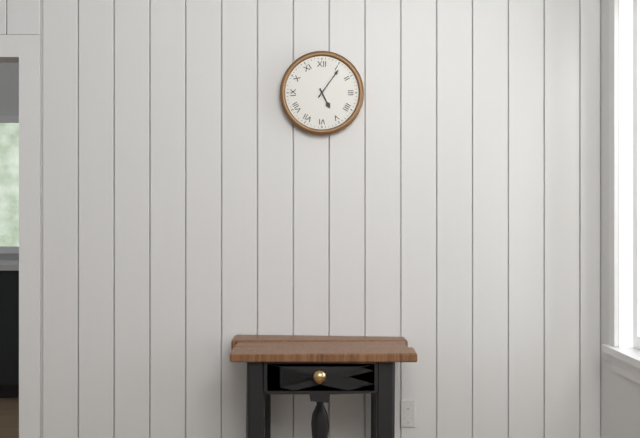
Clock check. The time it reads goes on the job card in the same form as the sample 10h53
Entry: 5h06
